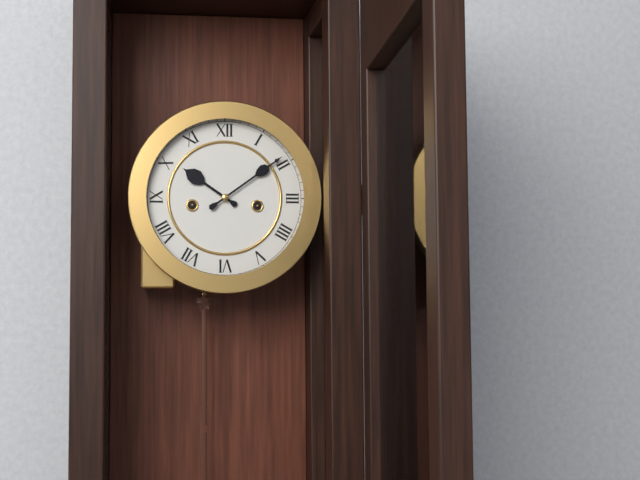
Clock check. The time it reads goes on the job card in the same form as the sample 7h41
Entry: 10h09
